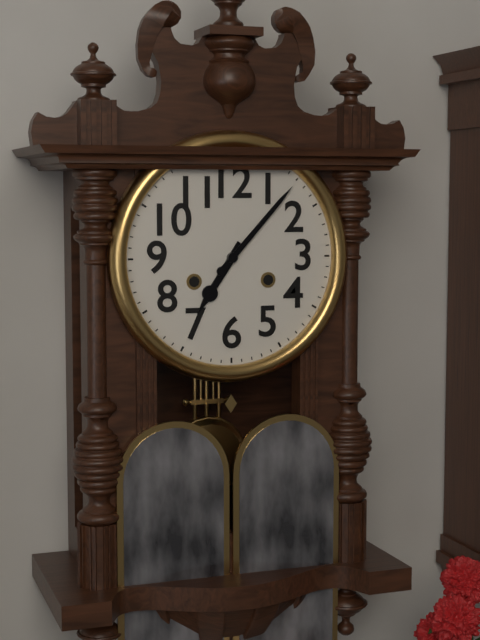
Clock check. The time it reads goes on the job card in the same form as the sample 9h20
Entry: 7h07
